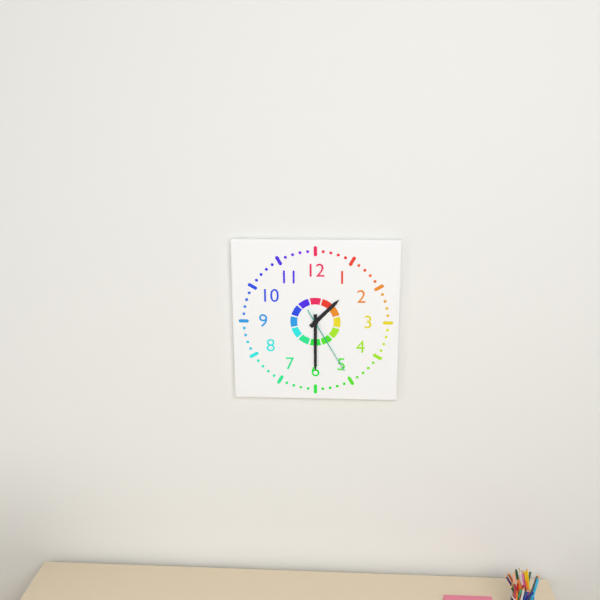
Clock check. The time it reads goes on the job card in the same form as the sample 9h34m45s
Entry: 1h30m25s
